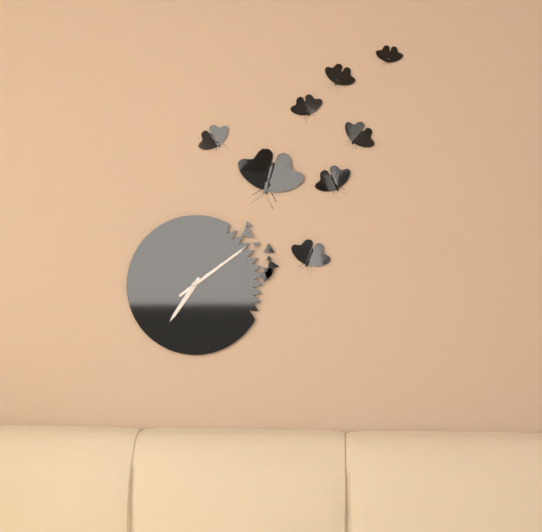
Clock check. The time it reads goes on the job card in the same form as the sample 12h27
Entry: 7h09
